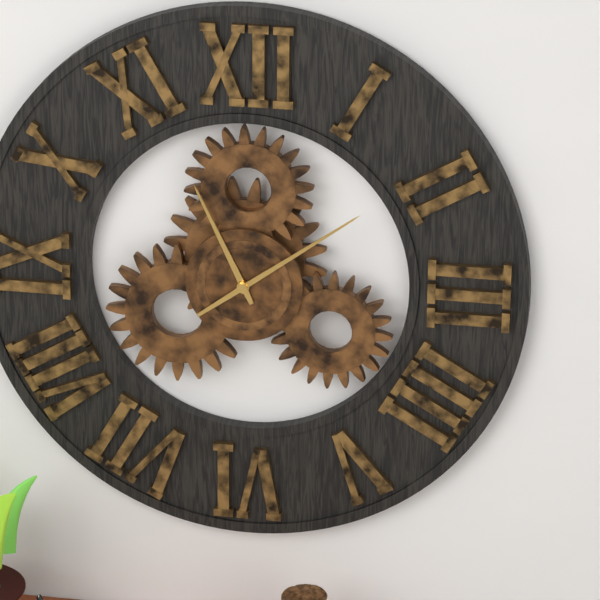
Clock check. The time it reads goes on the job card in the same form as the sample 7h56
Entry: 11h09
